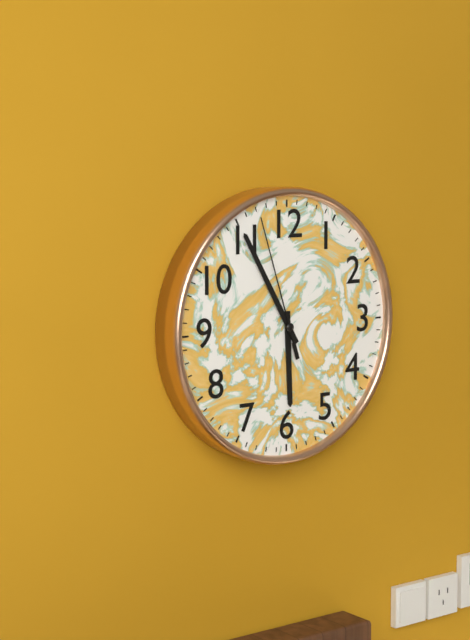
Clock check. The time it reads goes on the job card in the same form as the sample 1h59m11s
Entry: 5h55m57s
